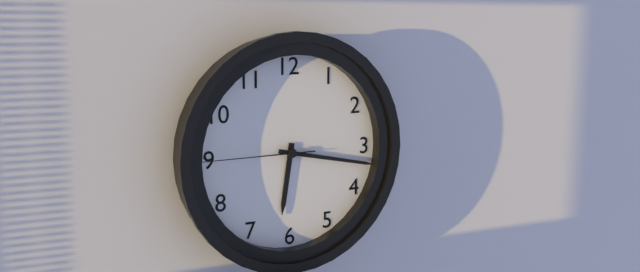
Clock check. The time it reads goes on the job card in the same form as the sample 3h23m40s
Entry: 6h17m45s
